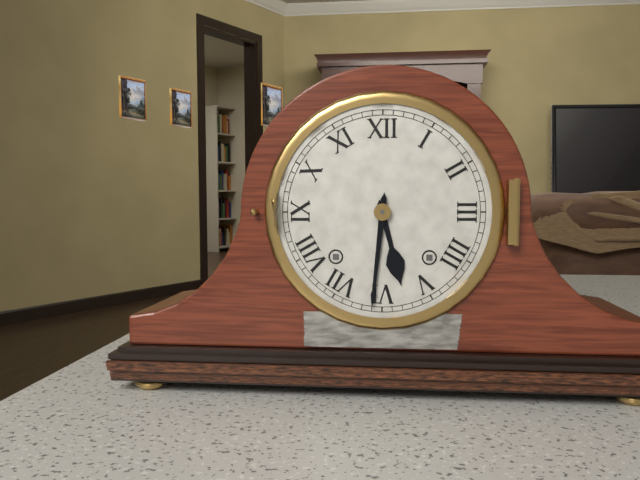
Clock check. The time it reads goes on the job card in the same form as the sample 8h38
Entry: 5h31
